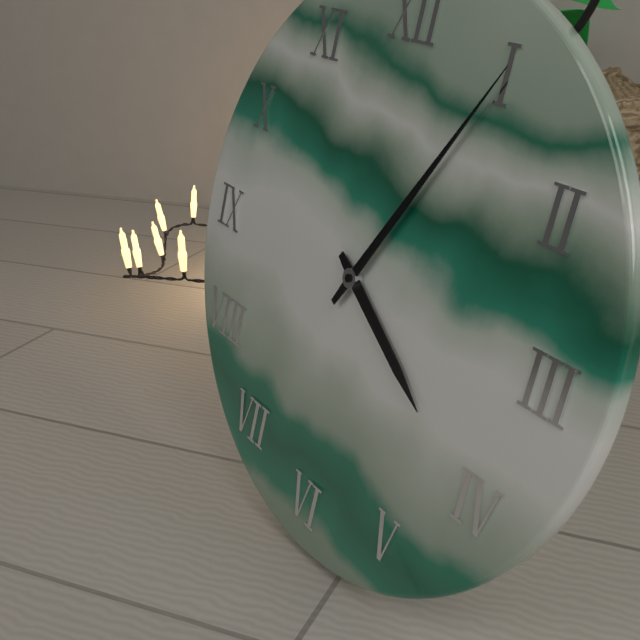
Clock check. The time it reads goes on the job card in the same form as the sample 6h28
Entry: 4h05
